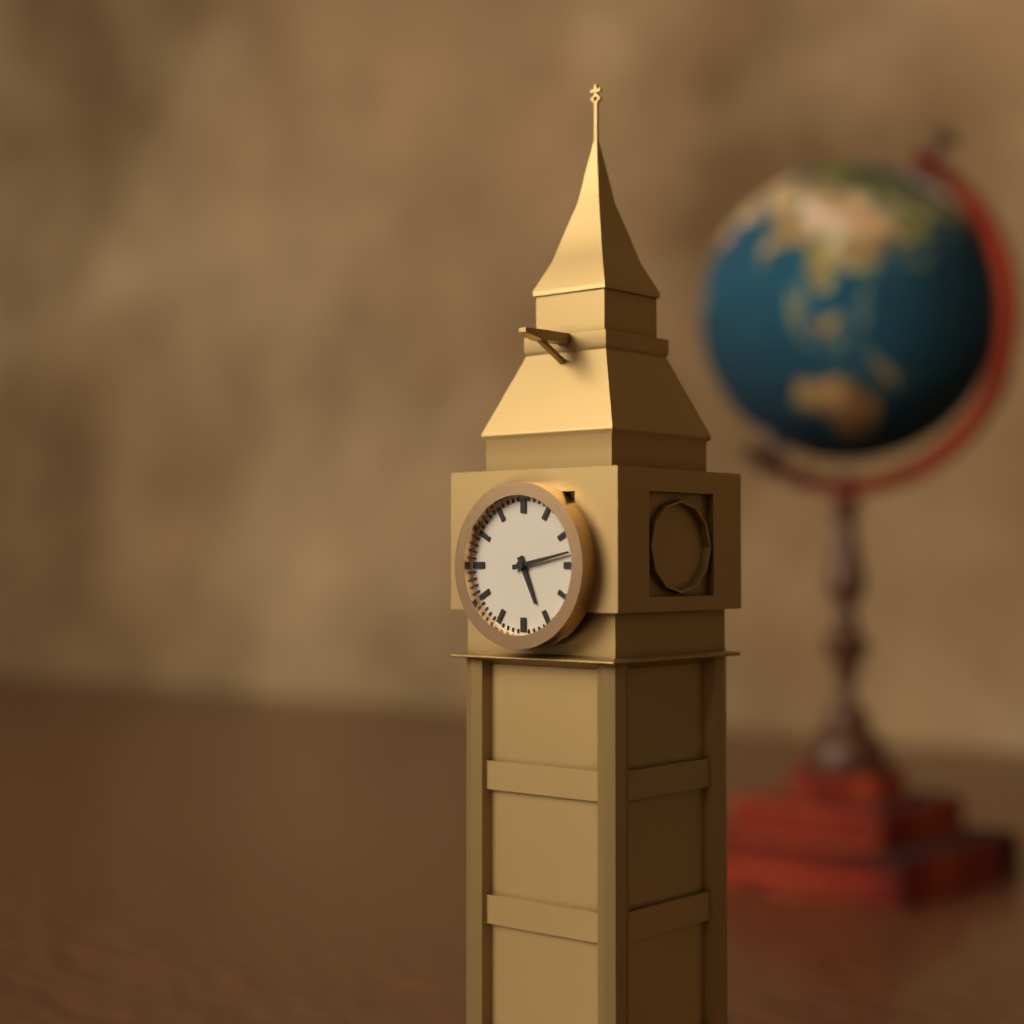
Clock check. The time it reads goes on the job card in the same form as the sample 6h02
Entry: 5h13
